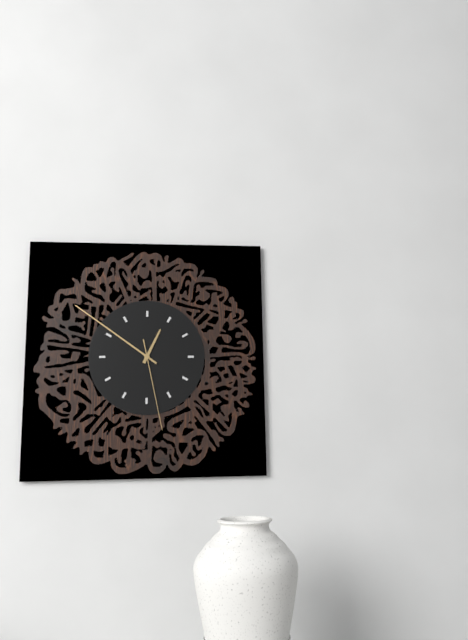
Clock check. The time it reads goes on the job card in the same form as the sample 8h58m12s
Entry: 12h51m28s
